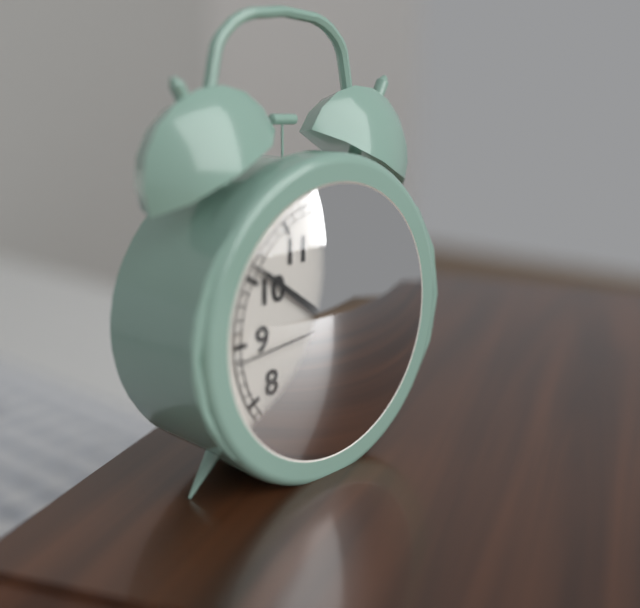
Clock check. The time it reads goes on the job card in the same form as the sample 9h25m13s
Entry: 5h51m44s
